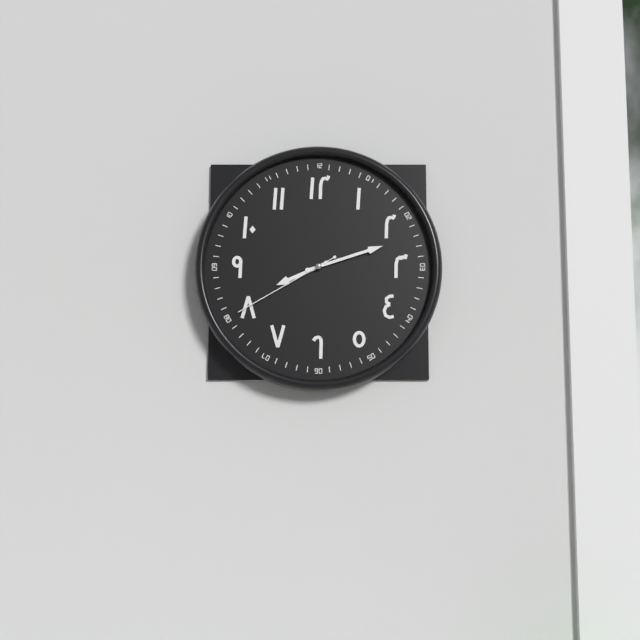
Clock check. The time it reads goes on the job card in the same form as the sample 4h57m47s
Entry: 8h12m40s
